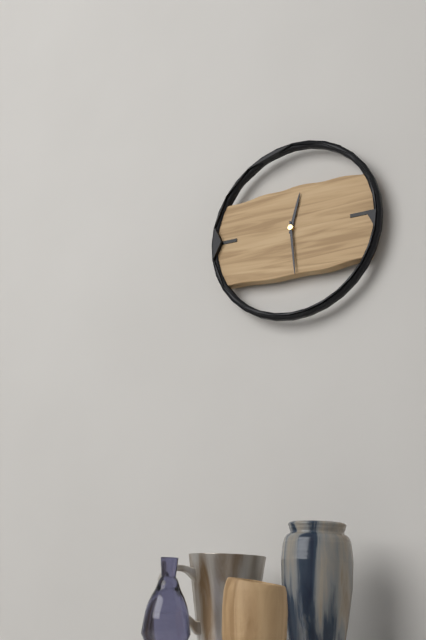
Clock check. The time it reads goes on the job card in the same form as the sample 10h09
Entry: 12h29
